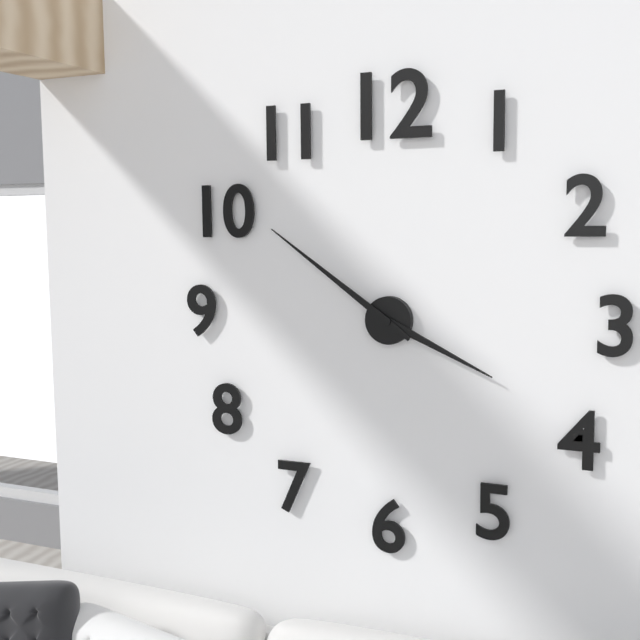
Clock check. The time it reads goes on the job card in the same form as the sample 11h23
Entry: 3h51
